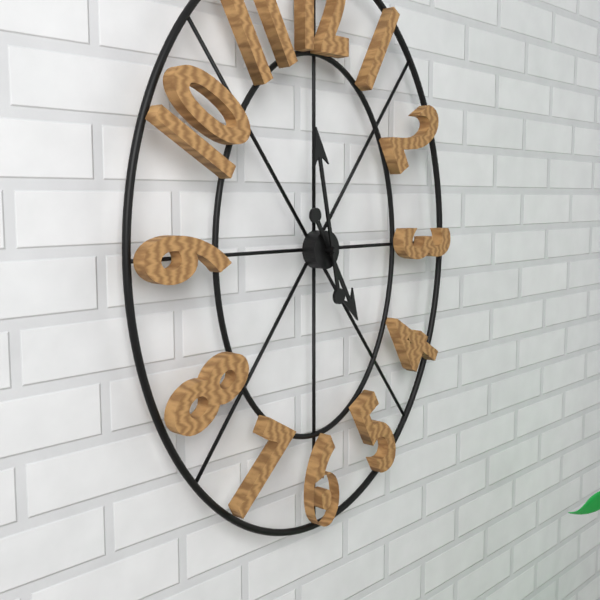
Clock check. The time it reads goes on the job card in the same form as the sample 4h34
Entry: 4h58
